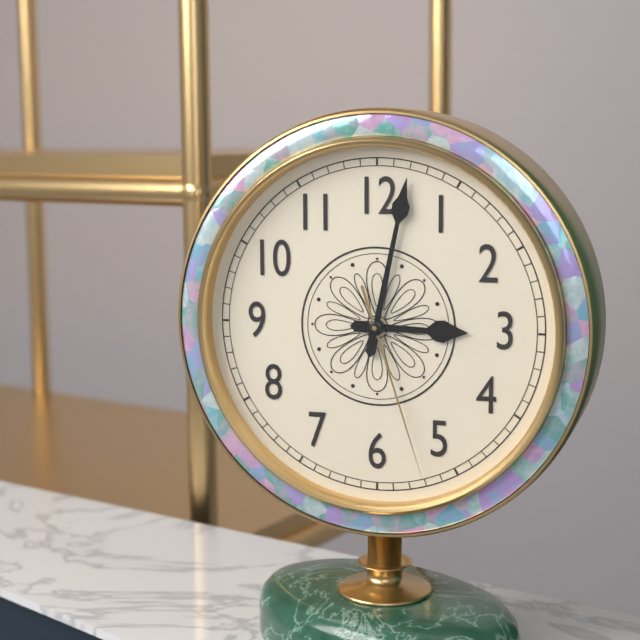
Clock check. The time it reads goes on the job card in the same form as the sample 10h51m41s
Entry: 3h02m27s
